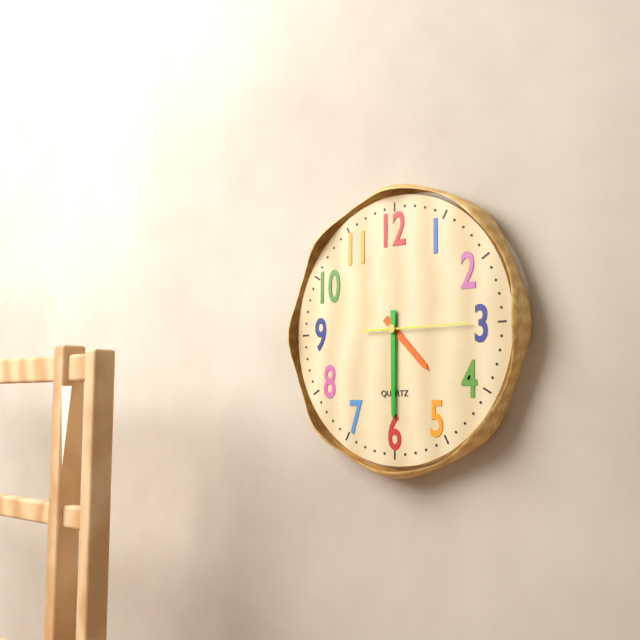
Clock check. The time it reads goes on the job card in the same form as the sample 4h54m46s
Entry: 4h30m15s
